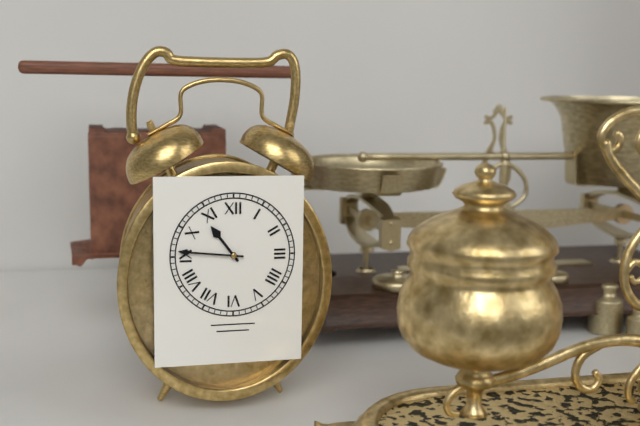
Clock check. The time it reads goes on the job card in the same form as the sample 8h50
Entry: 10h46
